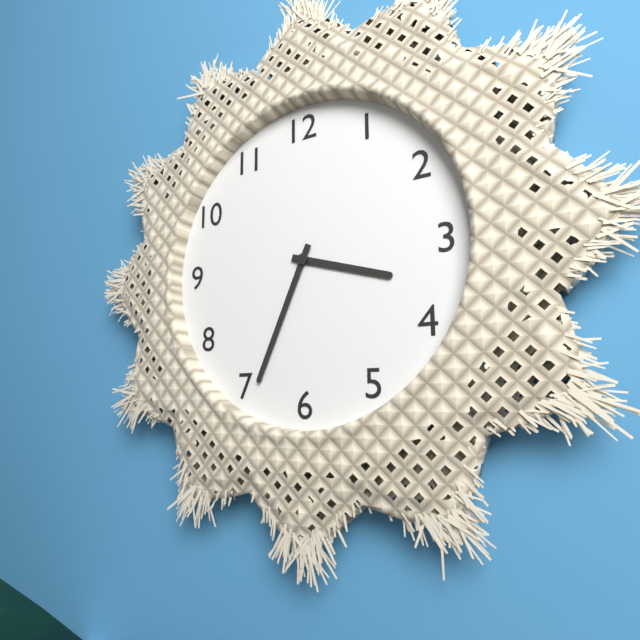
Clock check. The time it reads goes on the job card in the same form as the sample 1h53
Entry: 3h34
